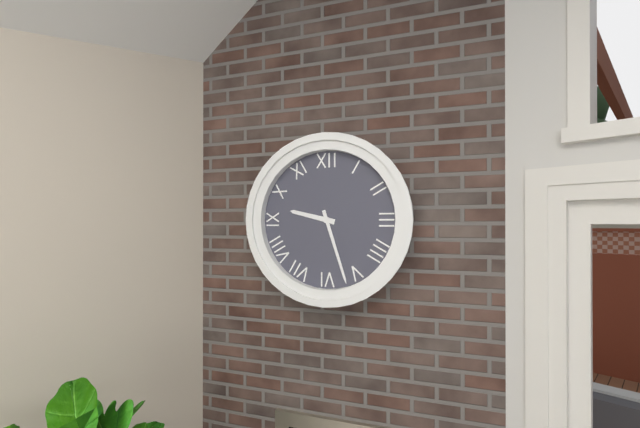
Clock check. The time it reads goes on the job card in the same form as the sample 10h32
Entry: 9h27
